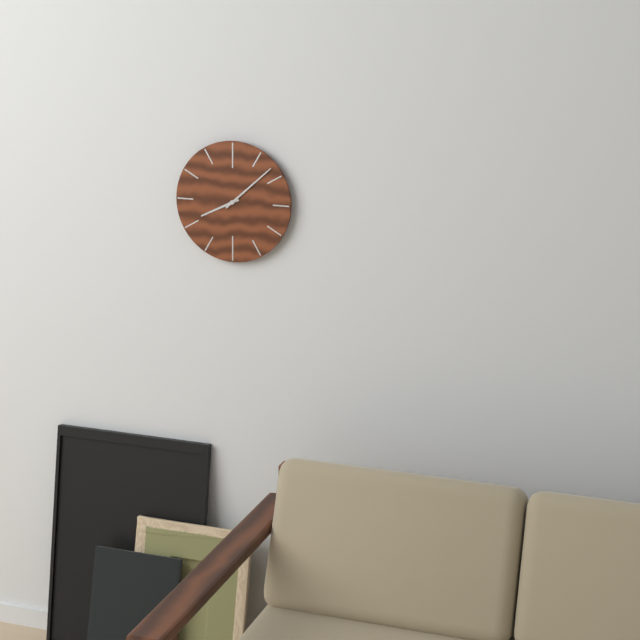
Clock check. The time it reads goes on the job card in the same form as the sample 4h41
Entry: 8h08
